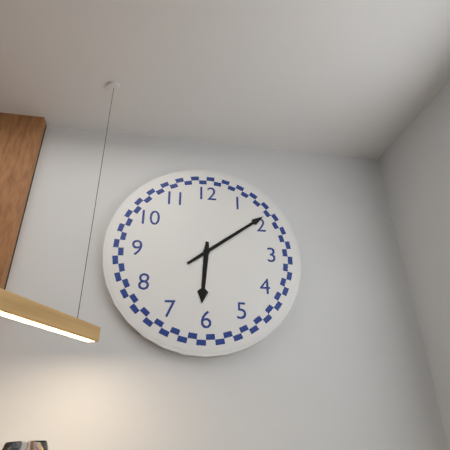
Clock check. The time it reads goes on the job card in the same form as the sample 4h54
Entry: 6h09
